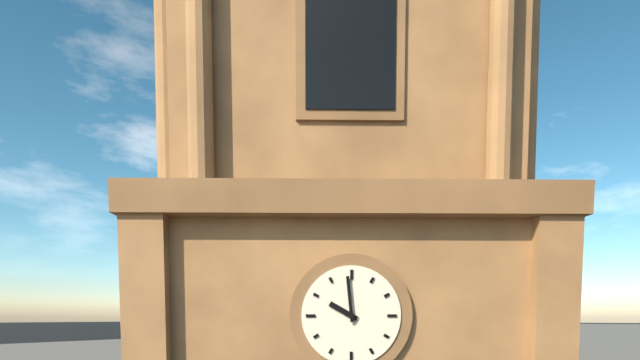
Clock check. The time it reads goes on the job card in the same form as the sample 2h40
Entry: 9h59
